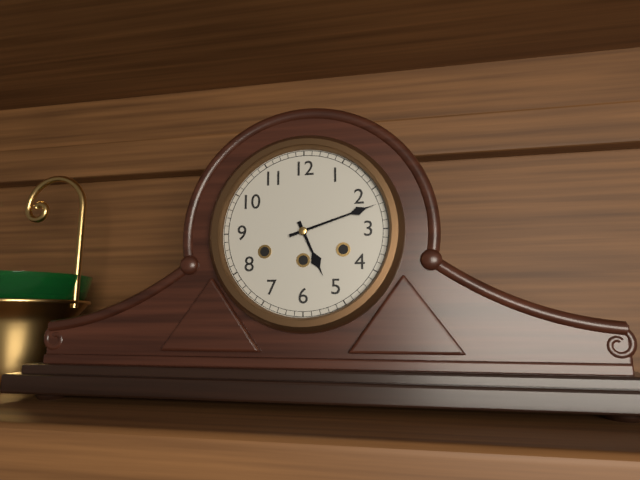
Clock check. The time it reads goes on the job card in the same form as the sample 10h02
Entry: 5h12
